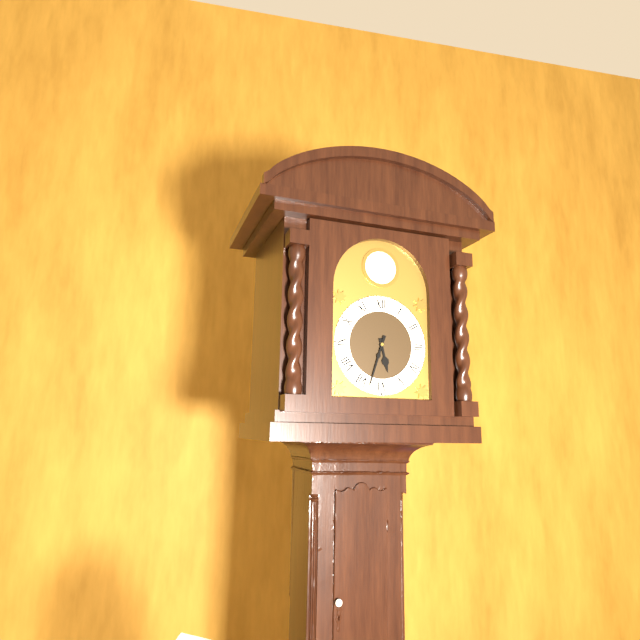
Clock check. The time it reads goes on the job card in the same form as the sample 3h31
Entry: 5h33
